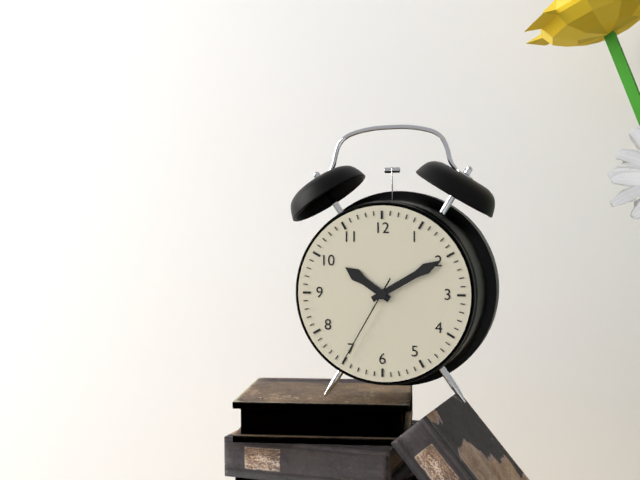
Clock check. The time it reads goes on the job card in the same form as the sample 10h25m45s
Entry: 10h10m35s
